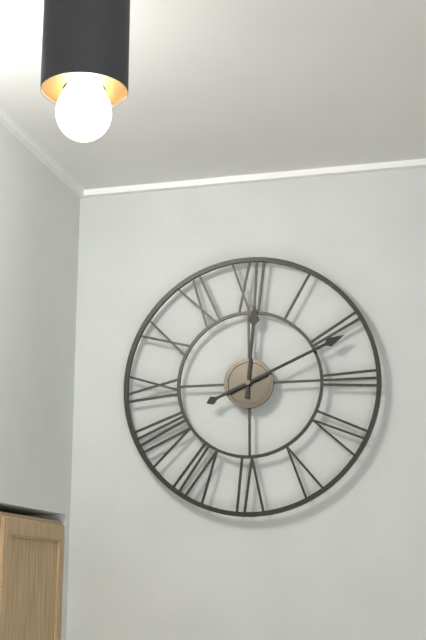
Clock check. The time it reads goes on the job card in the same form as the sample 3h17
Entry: 12h11
